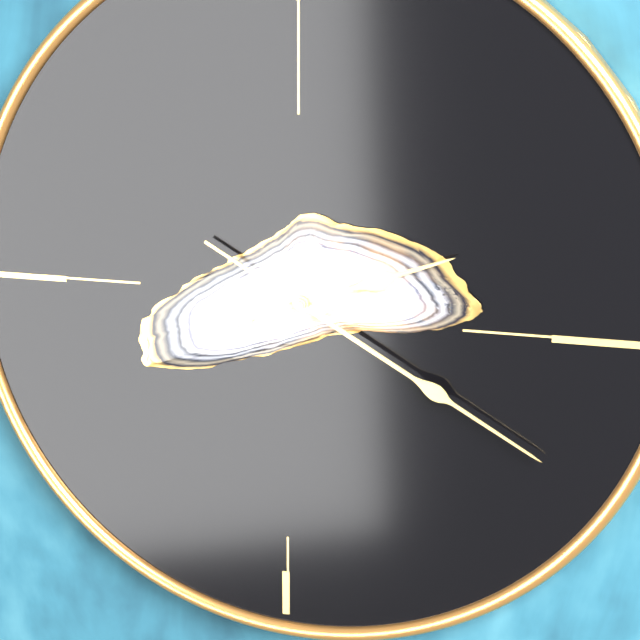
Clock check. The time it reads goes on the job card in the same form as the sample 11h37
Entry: 2h20
